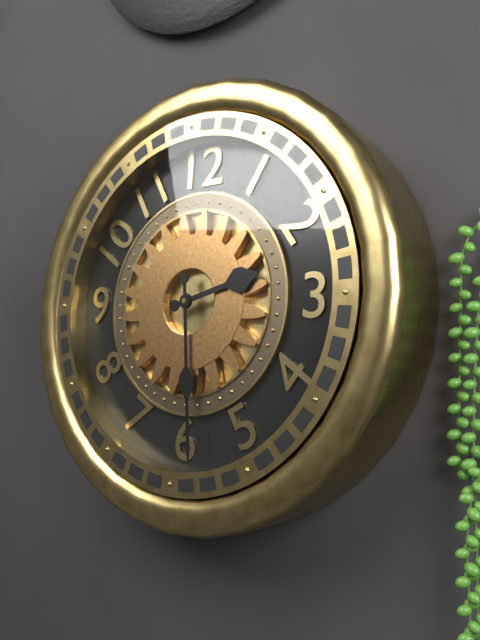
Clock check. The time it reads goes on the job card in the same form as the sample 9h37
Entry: 2h29
